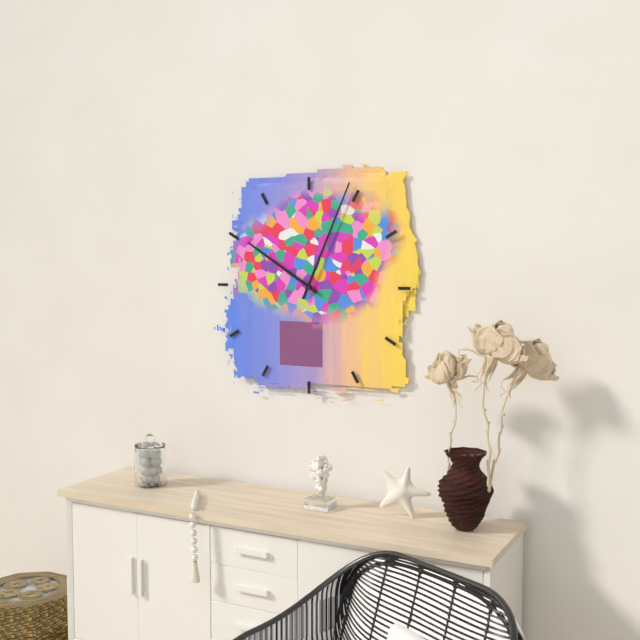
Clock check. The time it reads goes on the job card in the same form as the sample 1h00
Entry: 10h04
